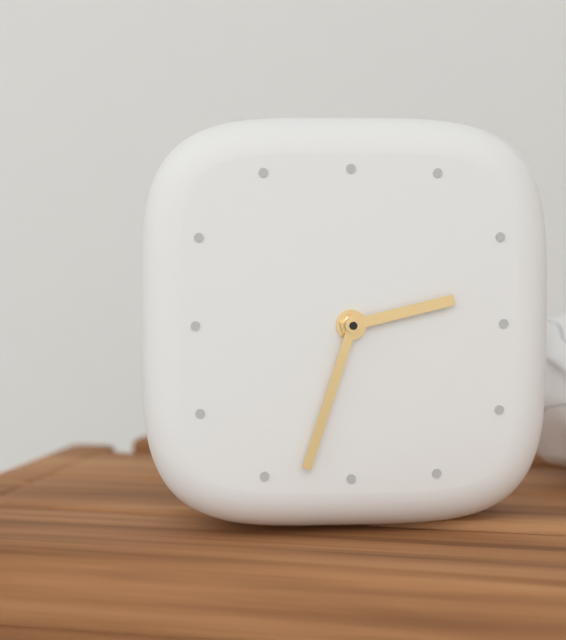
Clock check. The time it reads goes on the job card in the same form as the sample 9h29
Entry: 2h33
